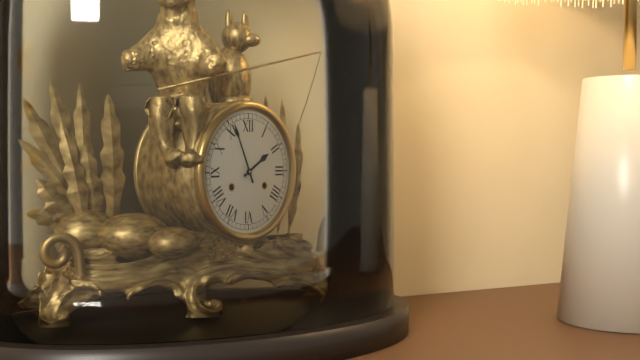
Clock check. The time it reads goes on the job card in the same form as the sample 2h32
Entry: 1h56
